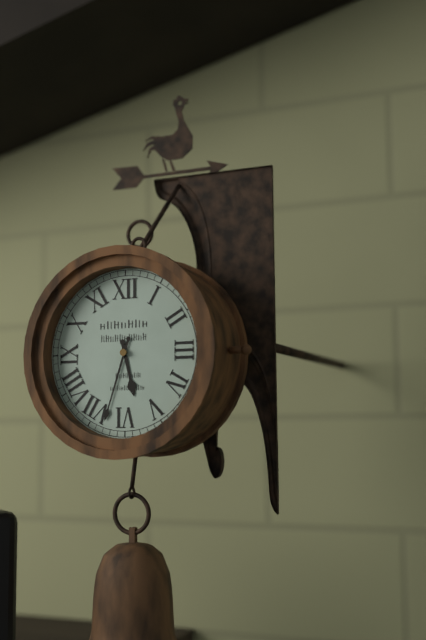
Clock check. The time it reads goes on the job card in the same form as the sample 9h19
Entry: 5h33
